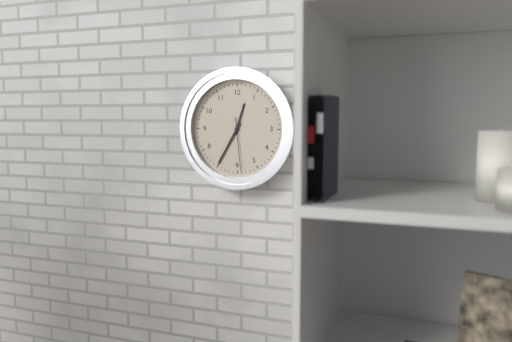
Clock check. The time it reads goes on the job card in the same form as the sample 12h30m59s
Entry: 12h35m29s
